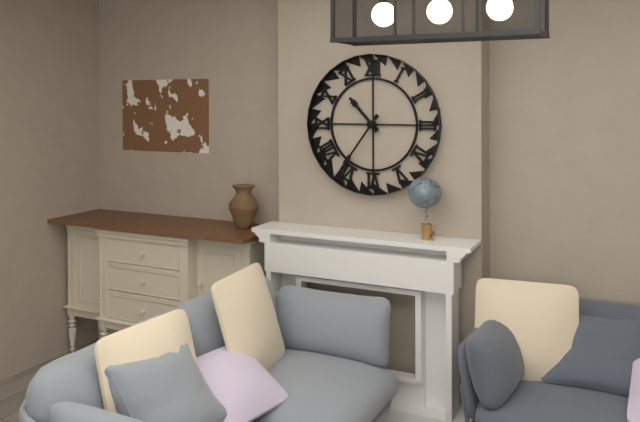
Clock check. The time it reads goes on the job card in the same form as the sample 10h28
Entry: 10h36
